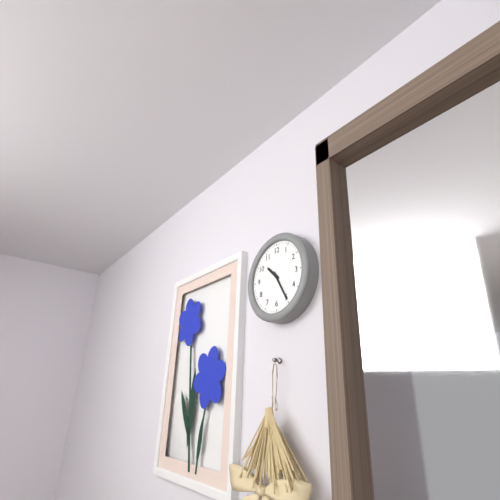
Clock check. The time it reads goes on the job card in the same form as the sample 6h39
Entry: 10h25
